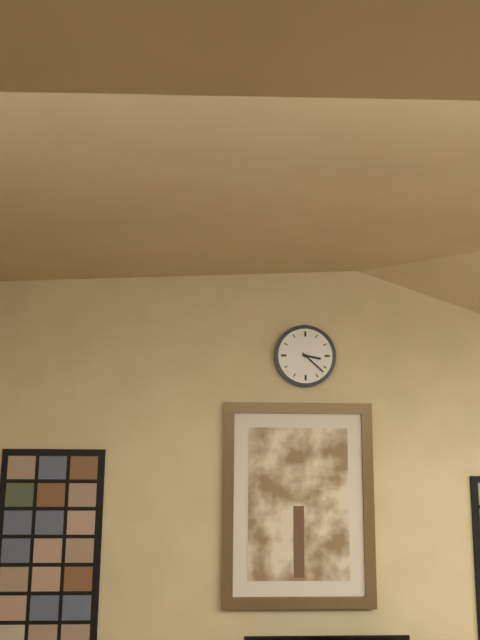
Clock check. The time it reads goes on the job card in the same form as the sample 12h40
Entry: 3h22
